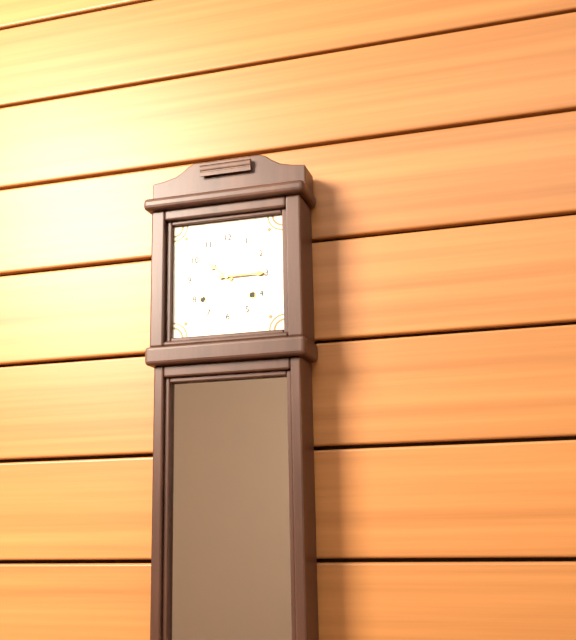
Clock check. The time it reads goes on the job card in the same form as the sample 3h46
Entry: 10h15
